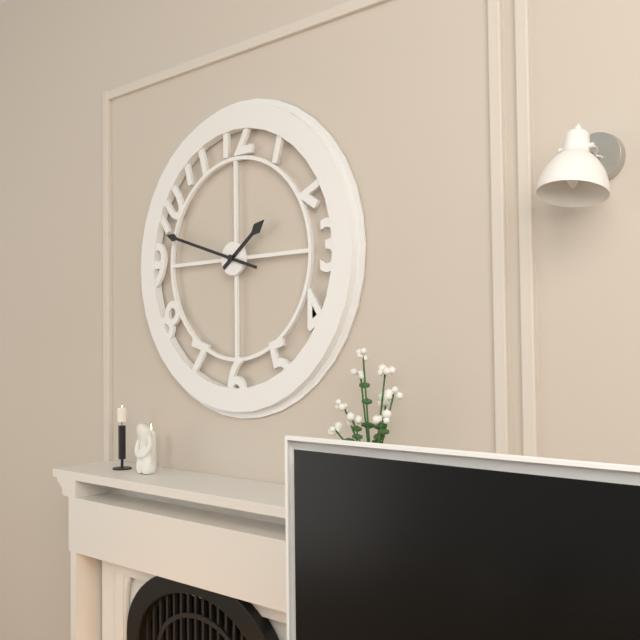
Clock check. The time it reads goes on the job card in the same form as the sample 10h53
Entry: 1h48
